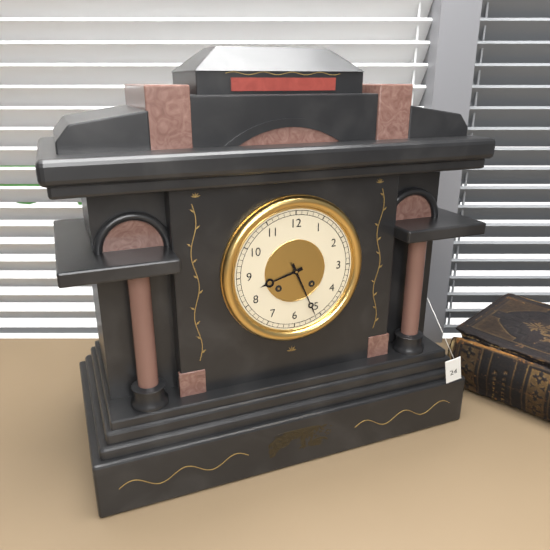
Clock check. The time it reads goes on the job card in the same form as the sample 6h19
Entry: 8h26
